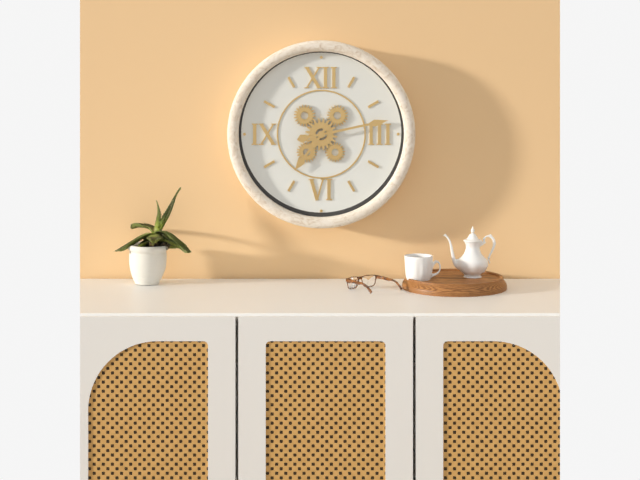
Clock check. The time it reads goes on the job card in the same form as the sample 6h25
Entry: 7h13
